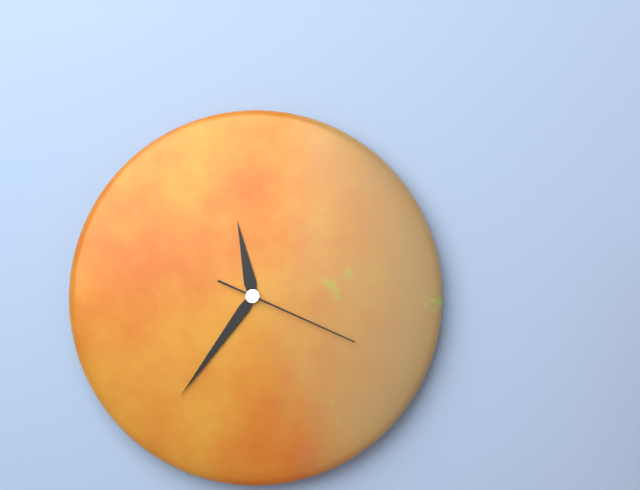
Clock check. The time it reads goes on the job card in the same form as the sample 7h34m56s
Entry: 11h36m19s
